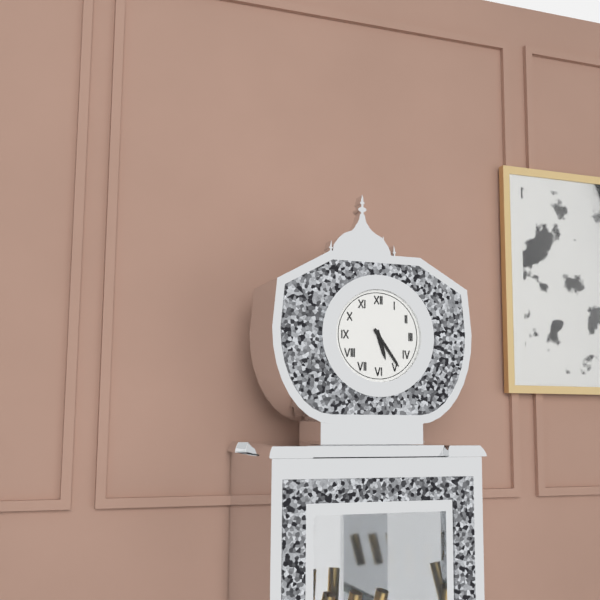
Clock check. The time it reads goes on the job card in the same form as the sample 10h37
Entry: 5h24
